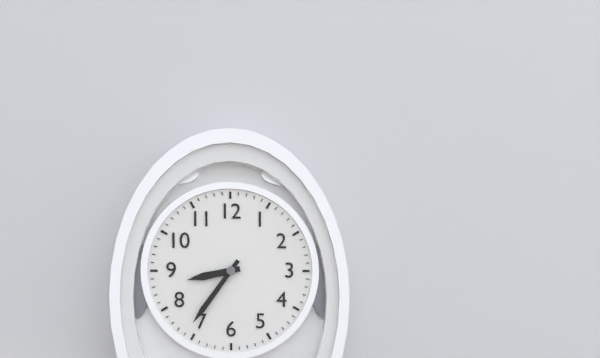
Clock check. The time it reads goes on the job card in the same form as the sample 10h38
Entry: 8h36
